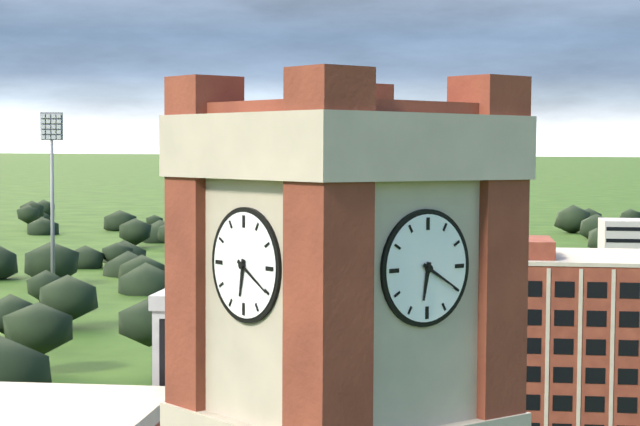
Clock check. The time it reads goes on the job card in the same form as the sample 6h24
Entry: 6h20
